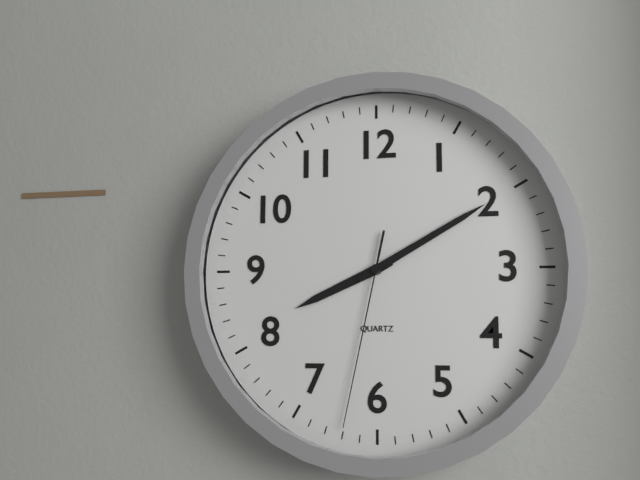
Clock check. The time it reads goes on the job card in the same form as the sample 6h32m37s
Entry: 8h10m32s
